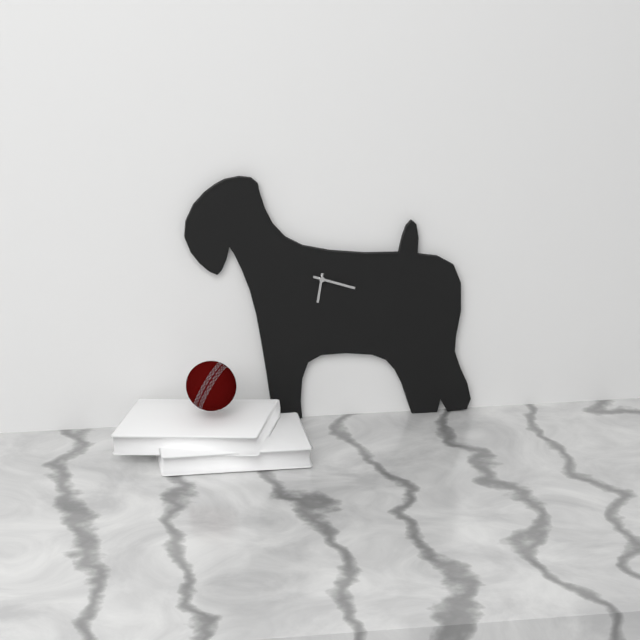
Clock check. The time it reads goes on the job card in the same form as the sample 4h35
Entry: 6h18
